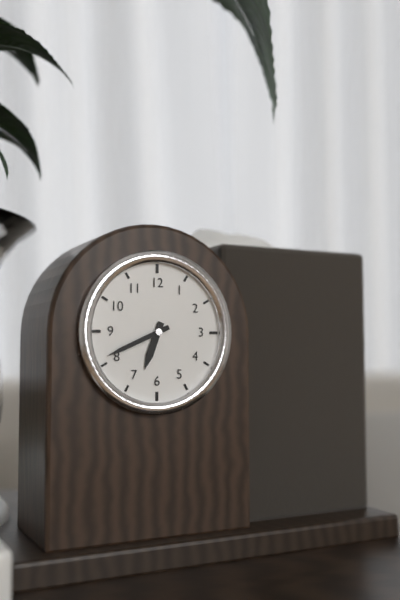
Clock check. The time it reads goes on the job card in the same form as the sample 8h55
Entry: 6h41
